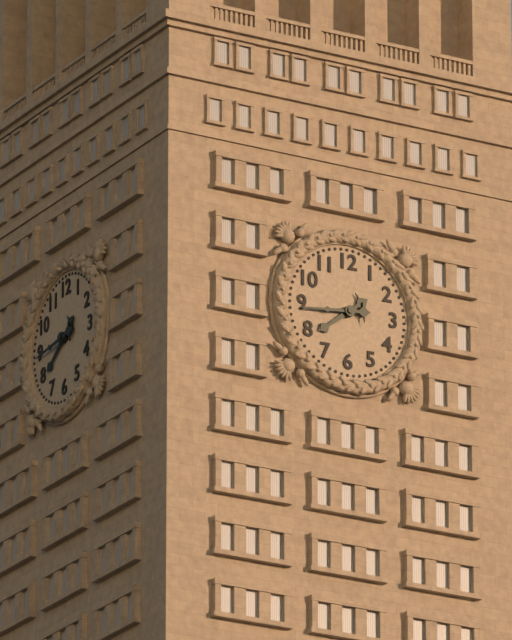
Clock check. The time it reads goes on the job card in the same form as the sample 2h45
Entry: 7h44
